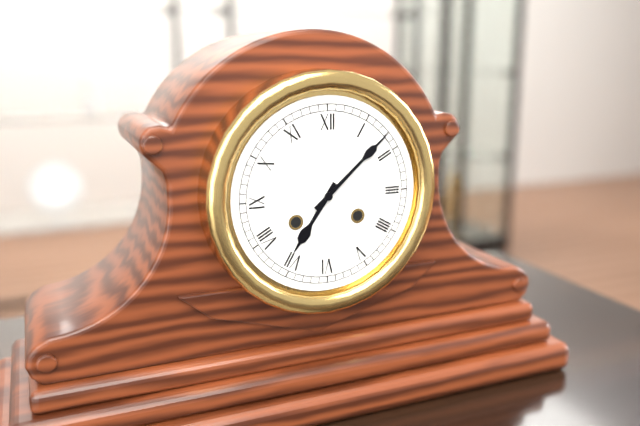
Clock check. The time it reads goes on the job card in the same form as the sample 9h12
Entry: 7h08
